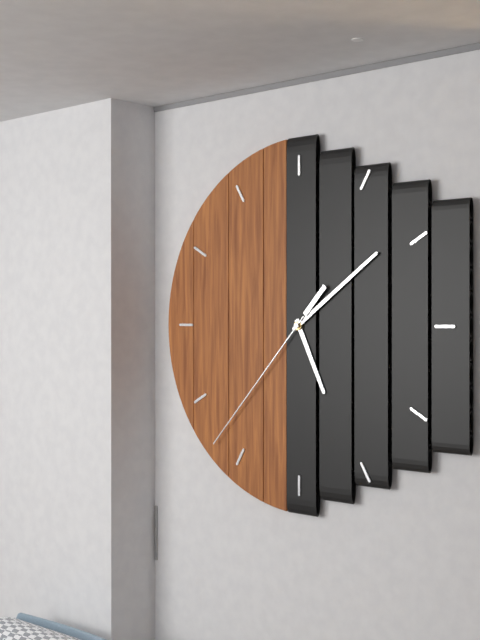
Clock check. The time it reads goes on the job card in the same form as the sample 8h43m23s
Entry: 5h09m37s
